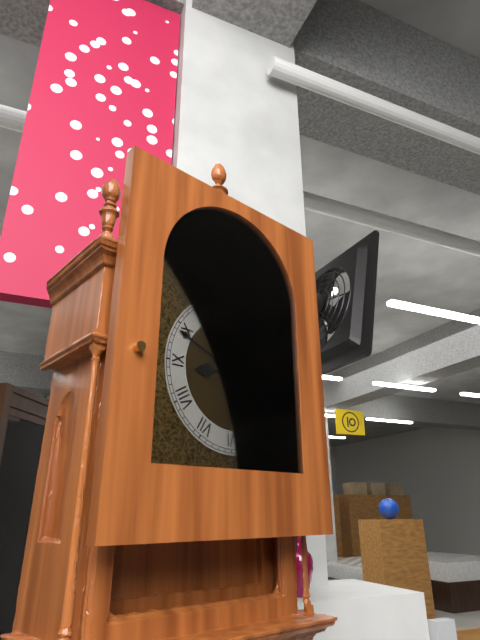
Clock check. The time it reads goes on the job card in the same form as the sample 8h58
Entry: 8h49
